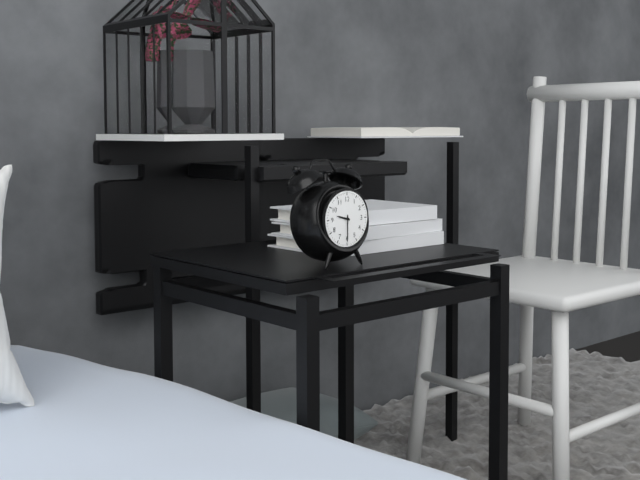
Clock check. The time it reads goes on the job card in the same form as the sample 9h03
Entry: 9h30
